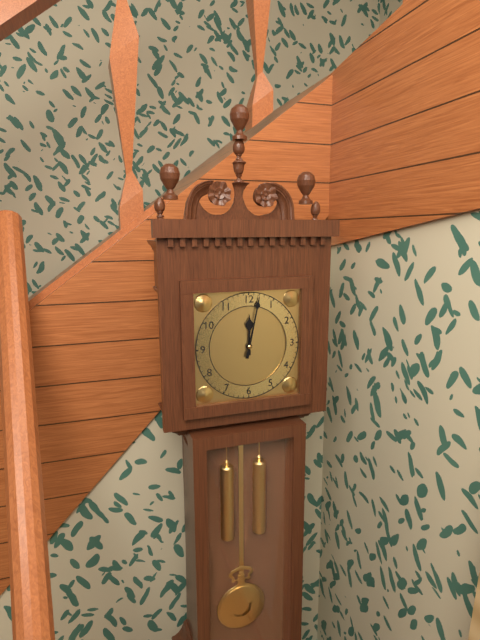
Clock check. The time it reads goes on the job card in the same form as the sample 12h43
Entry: 12h02
